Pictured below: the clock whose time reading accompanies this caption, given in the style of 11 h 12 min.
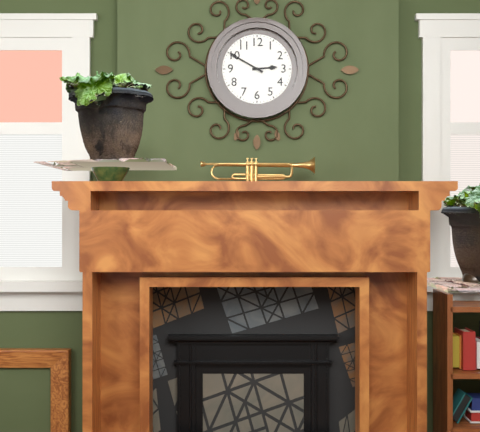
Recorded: 2 h 50 min
